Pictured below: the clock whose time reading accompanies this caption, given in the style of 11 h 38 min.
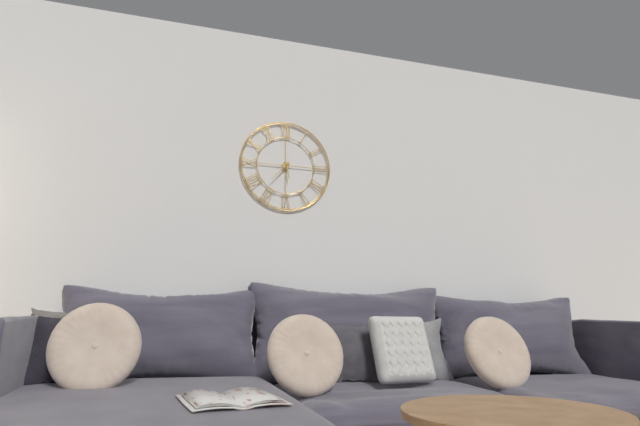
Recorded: 5 h 37 min
